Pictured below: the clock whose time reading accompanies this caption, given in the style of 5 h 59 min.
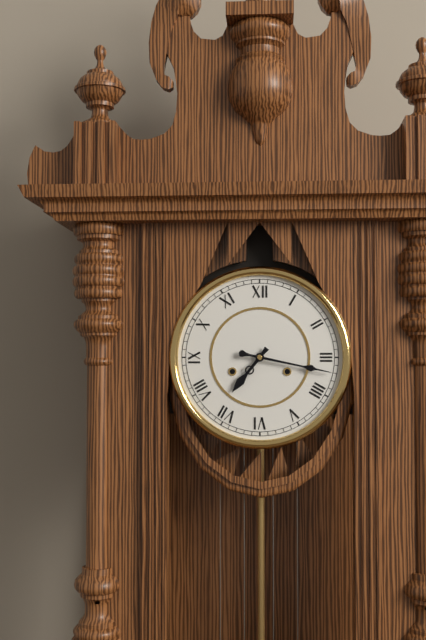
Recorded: 7 h 17 min
